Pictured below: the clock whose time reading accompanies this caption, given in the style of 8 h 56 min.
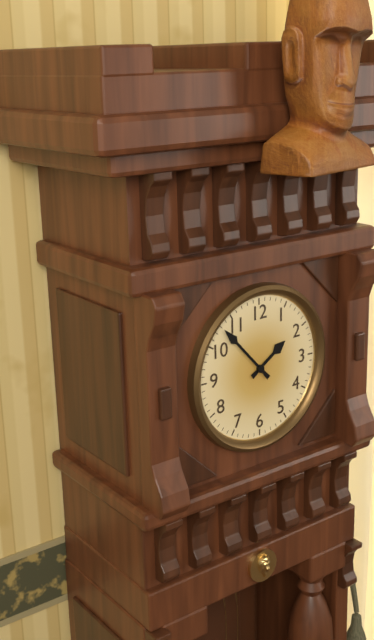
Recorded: 1 h 53 min
